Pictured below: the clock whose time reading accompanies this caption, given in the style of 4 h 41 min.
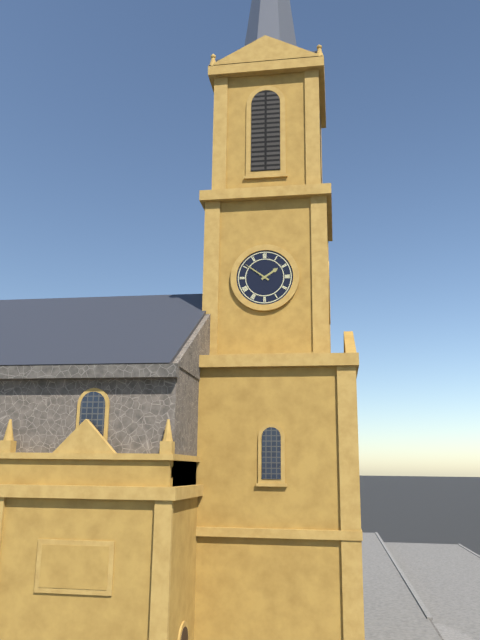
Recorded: 1 h 51 min
